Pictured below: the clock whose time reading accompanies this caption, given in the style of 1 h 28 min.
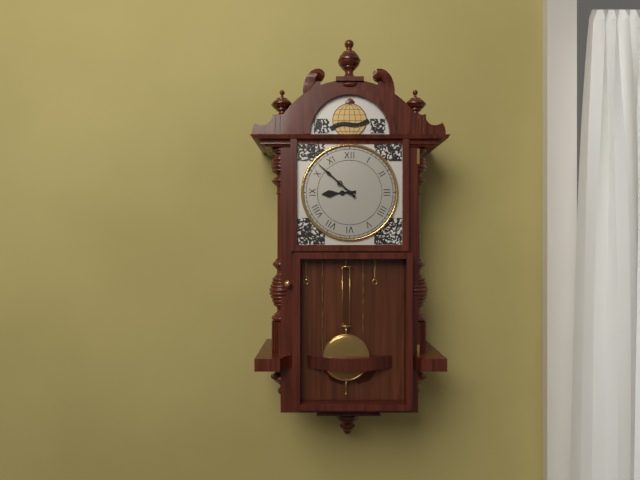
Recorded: 8 h 52 min
